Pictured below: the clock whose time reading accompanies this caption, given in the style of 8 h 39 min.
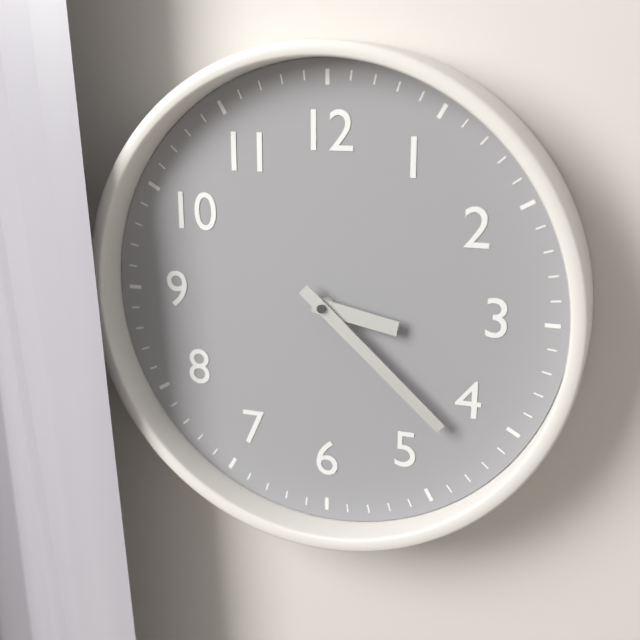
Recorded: 3 h 22 min
